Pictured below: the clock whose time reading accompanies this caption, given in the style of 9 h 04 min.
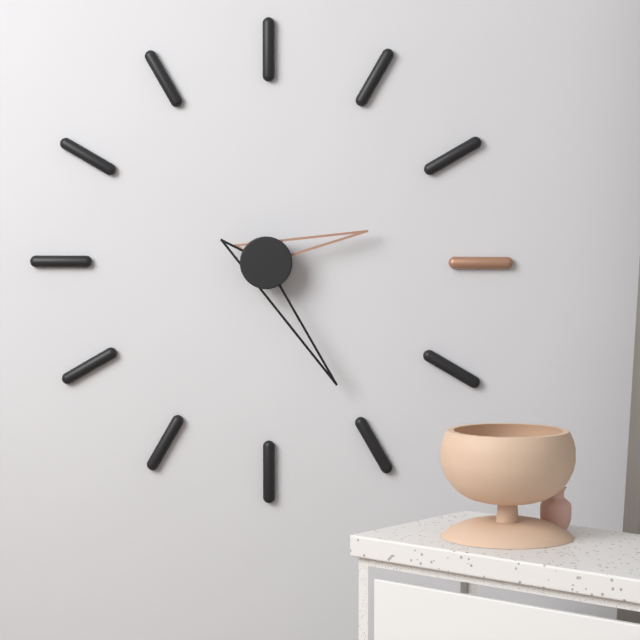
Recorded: 2 h 25 min
